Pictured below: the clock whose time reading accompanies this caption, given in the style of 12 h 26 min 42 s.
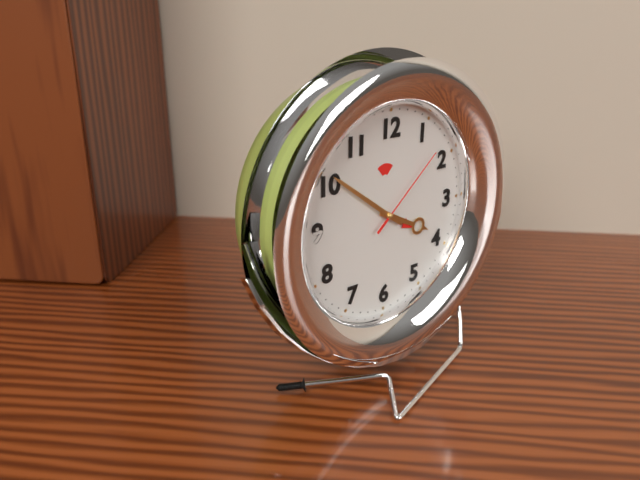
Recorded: 3 h 51 min 08 s
